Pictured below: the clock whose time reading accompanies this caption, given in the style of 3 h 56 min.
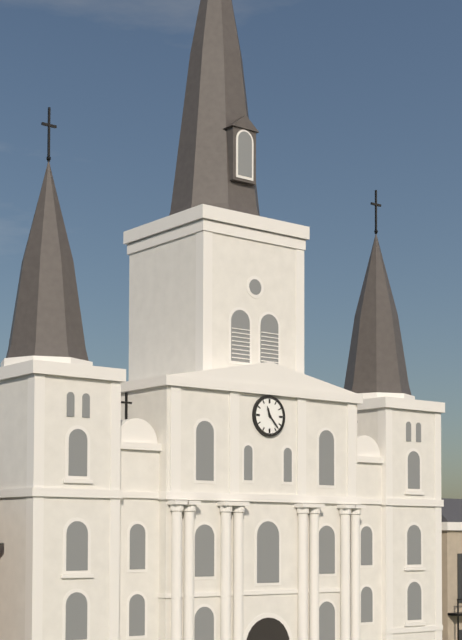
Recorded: 11 h 23 min
